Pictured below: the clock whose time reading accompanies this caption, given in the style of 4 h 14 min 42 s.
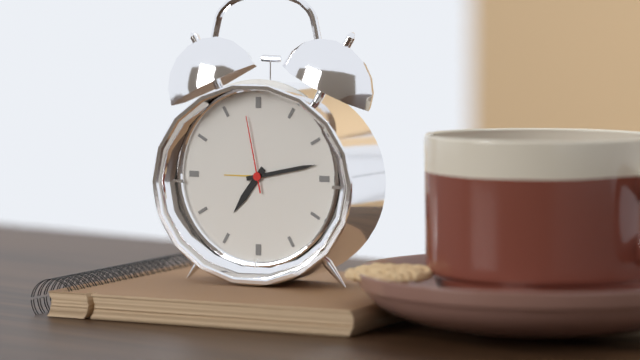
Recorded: 7 h 13 min 58 s
